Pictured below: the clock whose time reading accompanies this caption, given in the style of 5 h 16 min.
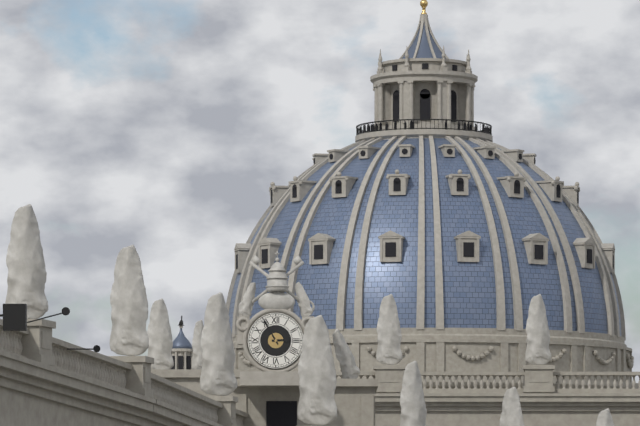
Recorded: 2 h 55 min
